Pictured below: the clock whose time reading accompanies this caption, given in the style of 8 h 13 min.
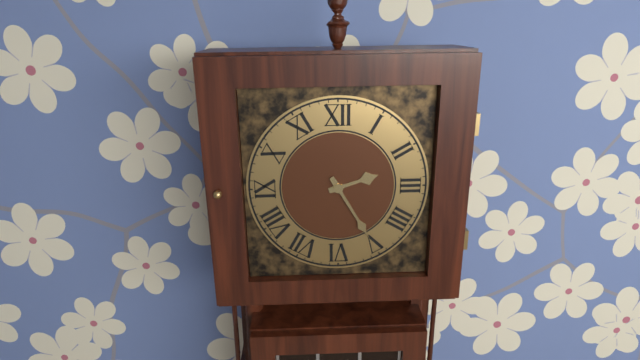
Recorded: 2 h 25 min
